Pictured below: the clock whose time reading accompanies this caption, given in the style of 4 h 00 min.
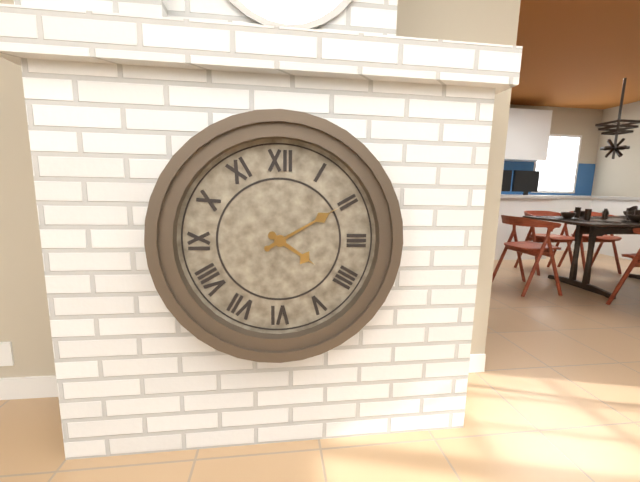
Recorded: 4 h 10 min
